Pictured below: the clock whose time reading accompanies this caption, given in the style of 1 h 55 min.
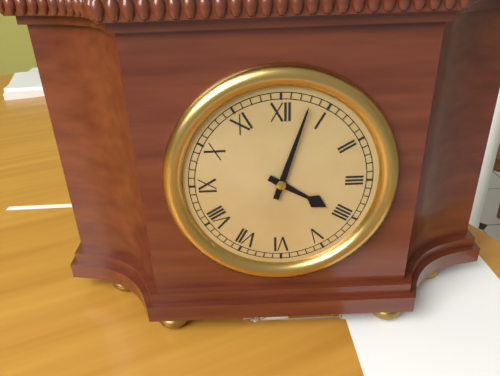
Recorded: 4 h 03 min
